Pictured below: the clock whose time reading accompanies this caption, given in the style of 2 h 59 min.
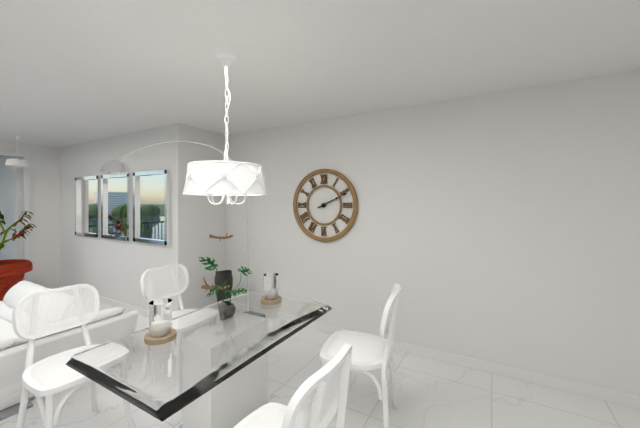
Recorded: 2 h 11 min
